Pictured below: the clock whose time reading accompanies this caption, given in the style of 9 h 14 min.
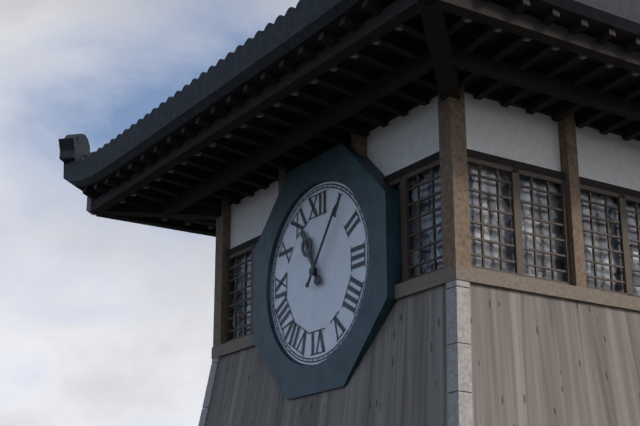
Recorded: 11 h 06 min
